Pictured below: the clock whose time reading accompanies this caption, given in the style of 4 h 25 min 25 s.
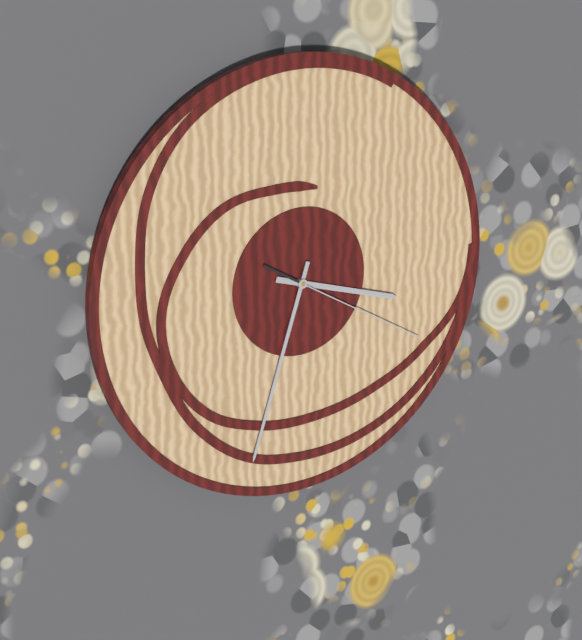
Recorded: 3 h 33 min 20 s
